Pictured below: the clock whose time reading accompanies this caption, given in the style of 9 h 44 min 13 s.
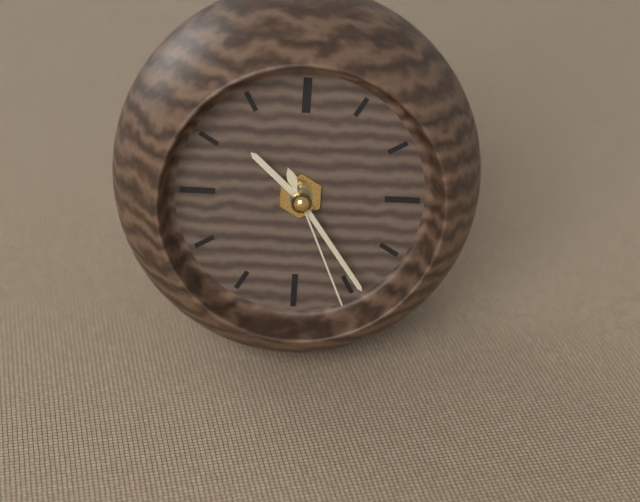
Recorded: 10 h 24 min 26 s
